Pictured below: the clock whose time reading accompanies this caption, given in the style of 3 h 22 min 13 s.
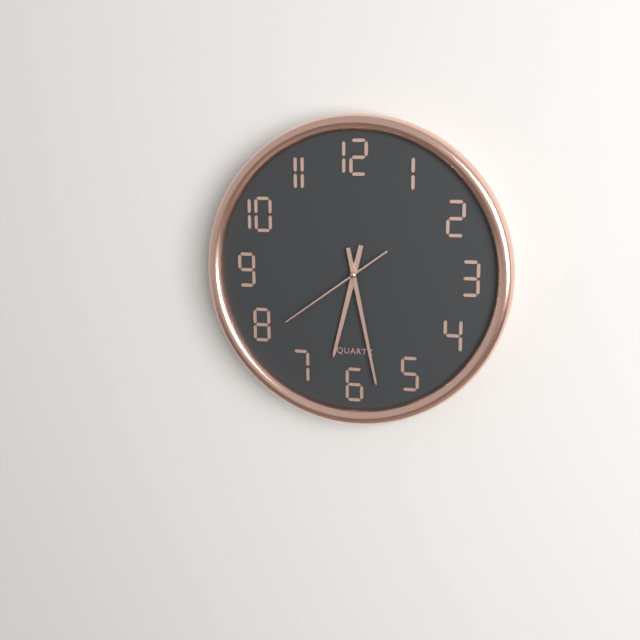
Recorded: 6 h 28 min 39 s
